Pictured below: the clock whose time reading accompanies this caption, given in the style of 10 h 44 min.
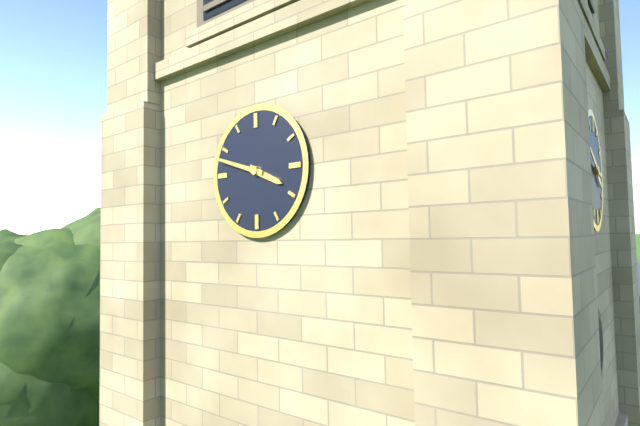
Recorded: 3 h 48 min
